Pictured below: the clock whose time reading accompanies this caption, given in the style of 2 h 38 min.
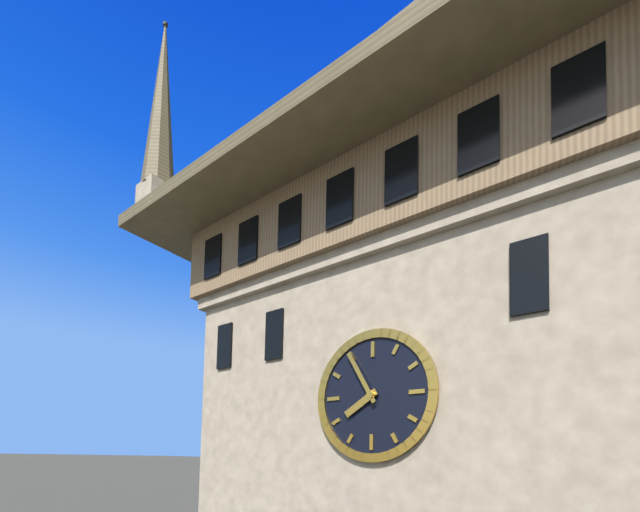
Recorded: 7 h 55 min
